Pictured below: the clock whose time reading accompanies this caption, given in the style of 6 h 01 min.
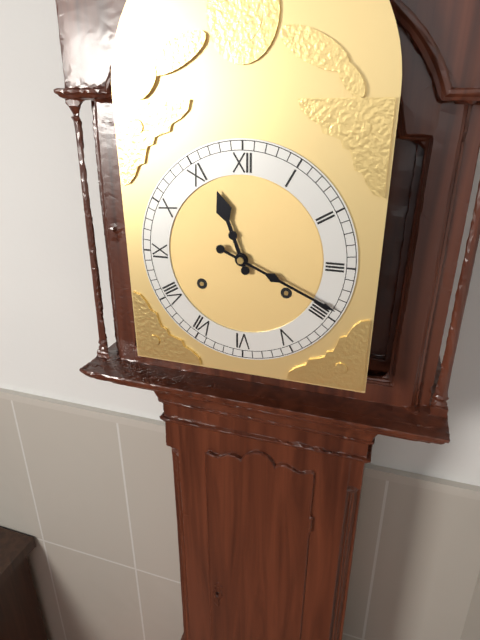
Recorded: 11 h 19 min
